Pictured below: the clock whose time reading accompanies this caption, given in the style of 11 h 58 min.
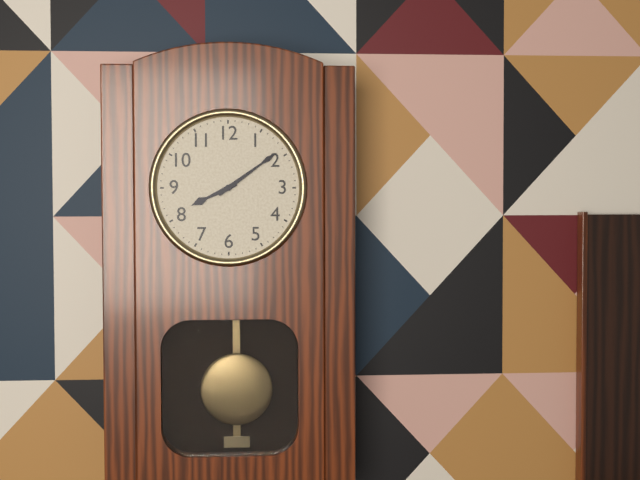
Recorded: 8 h 09 min
